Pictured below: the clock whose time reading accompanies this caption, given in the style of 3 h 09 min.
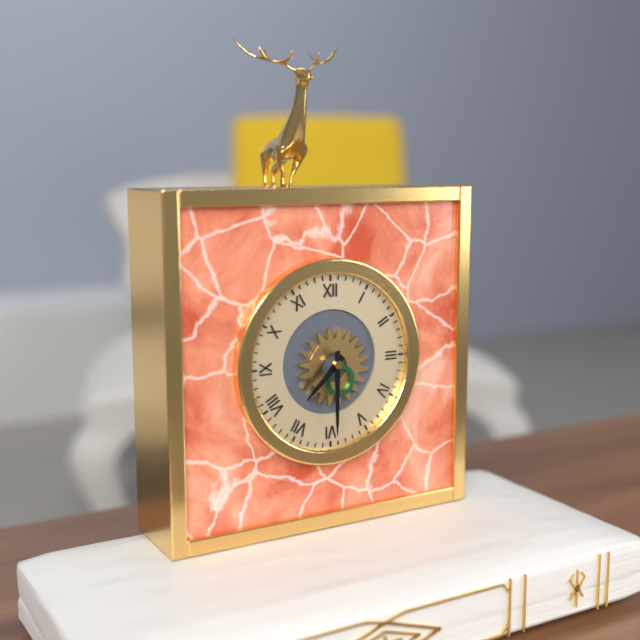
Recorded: 7 h 30 min
